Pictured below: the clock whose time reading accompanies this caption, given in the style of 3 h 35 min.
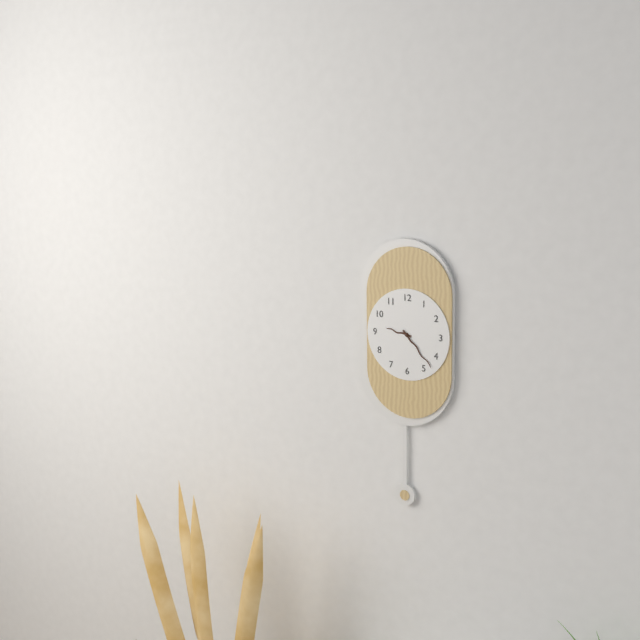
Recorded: 9 h 23 min
